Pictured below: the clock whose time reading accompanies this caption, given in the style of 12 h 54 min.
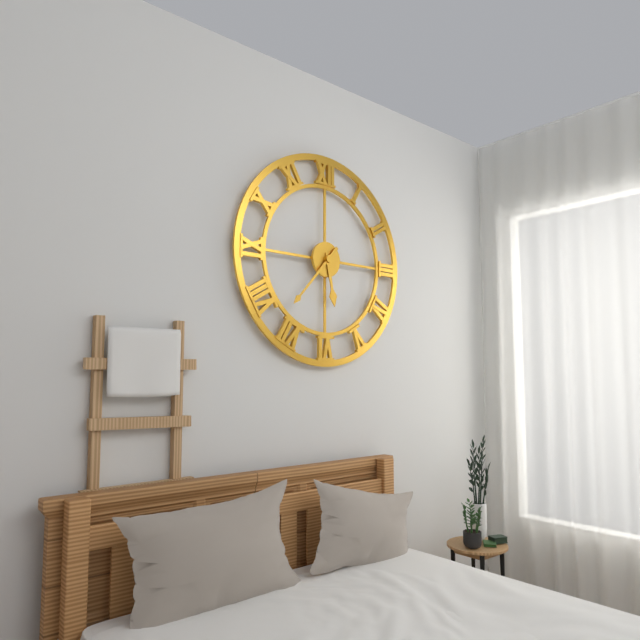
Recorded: 5 h 37 min
